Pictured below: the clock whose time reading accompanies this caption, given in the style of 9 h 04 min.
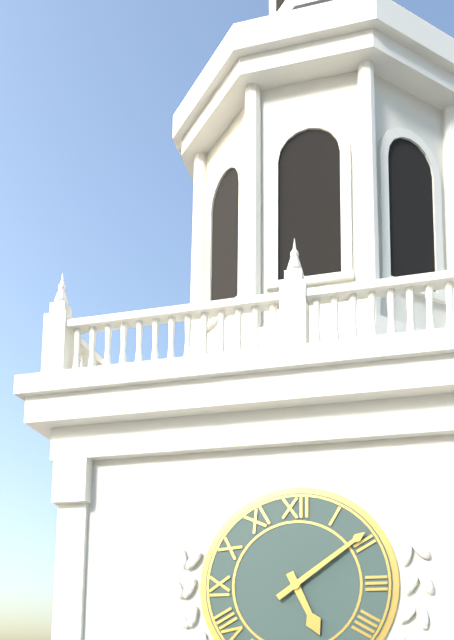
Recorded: 5 h 09 min
